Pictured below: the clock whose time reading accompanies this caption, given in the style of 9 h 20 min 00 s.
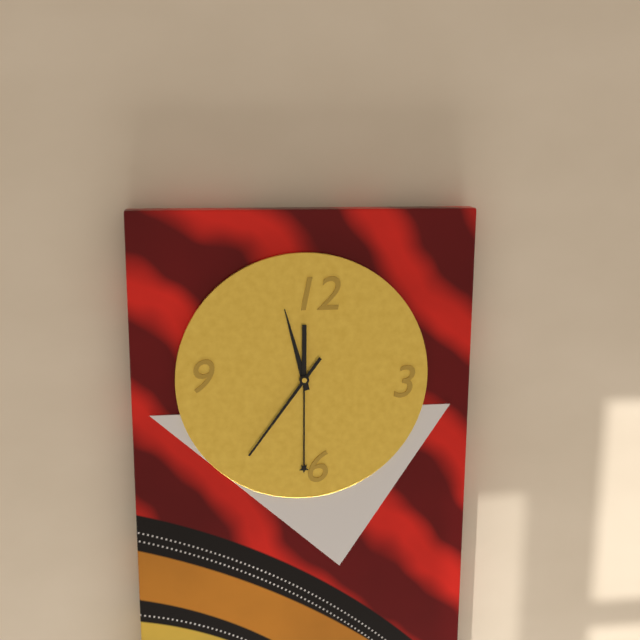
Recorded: 11 h 30 min 36 s
